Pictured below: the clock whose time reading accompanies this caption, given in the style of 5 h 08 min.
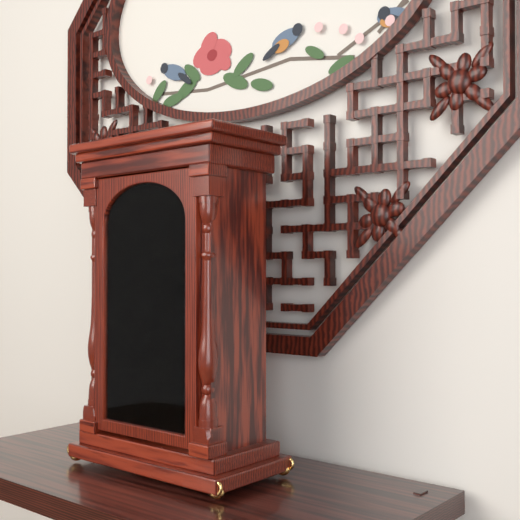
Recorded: 5 h 17 min
